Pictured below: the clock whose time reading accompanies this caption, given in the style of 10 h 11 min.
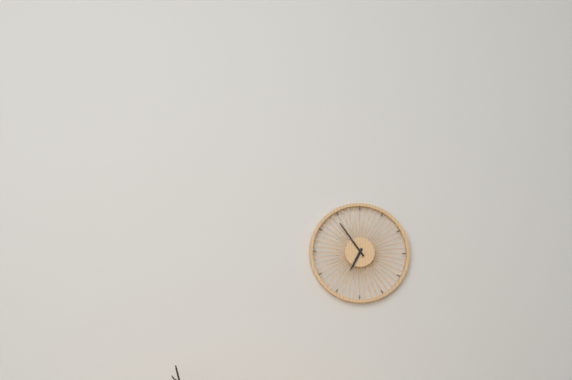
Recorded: 6 h 54 min
